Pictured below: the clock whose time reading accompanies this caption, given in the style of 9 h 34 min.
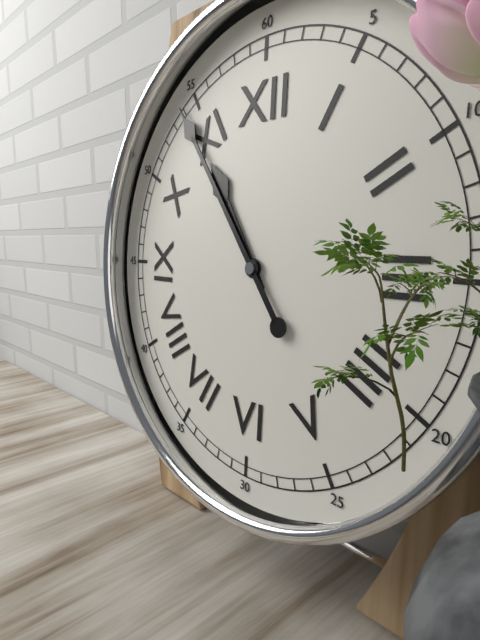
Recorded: 10 h 54 min
